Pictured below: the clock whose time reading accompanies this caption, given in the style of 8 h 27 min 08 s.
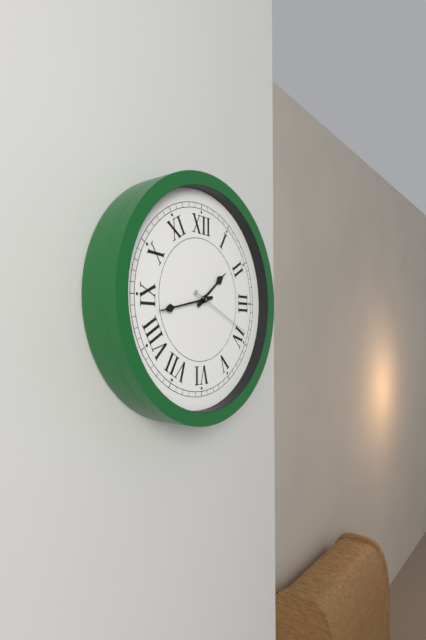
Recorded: 1 h 43 min 19 s
